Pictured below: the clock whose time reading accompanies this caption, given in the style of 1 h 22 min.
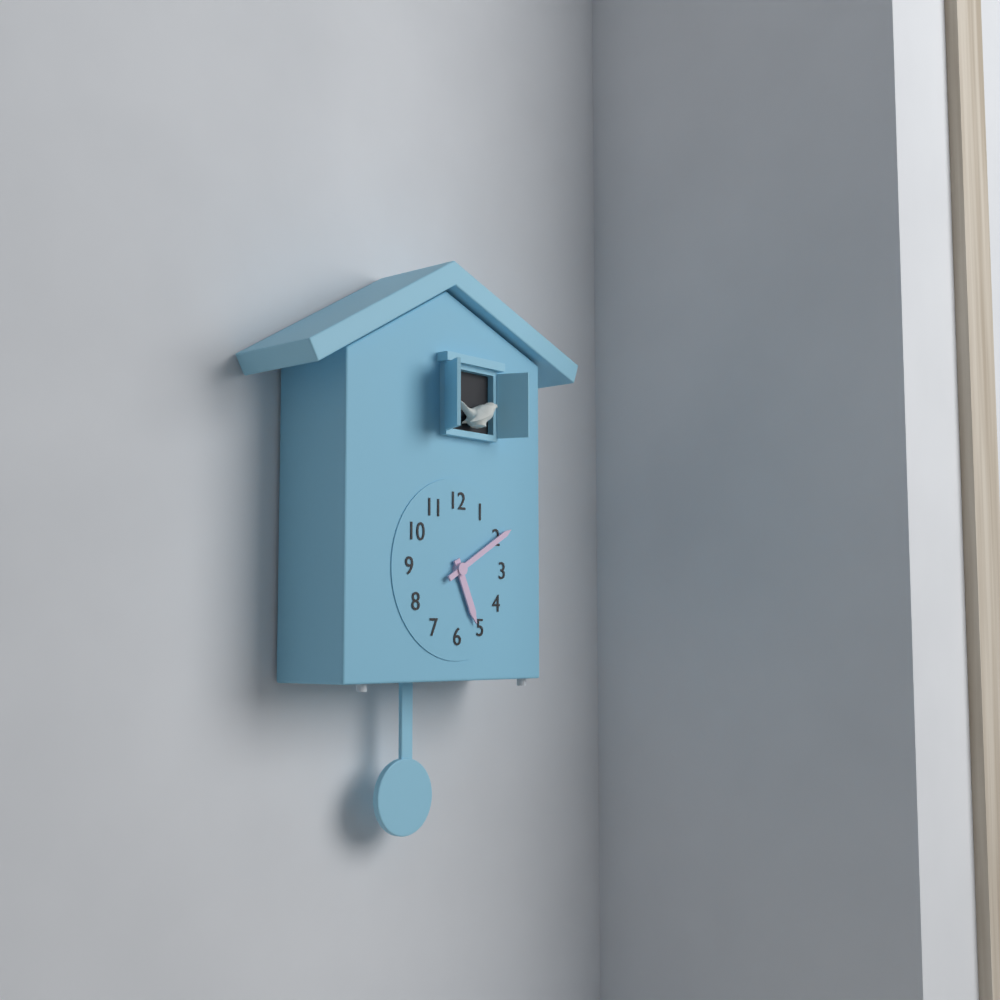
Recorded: 5 h 10 min
